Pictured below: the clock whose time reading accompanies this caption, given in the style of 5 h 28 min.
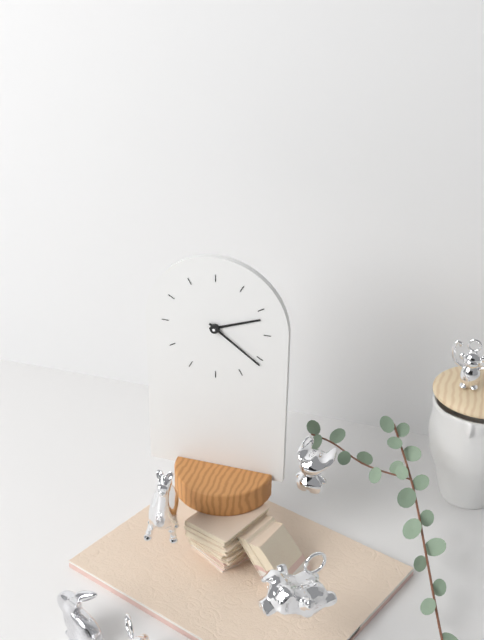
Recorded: 2 h 21 min
